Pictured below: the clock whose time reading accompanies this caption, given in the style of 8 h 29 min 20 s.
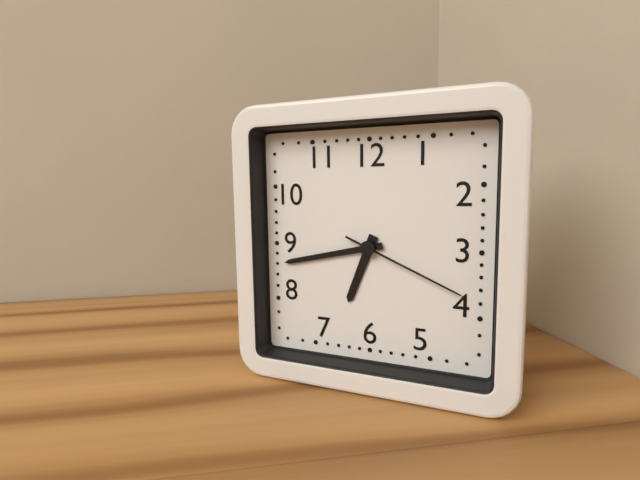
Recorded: 6 h 43 min 19 s
